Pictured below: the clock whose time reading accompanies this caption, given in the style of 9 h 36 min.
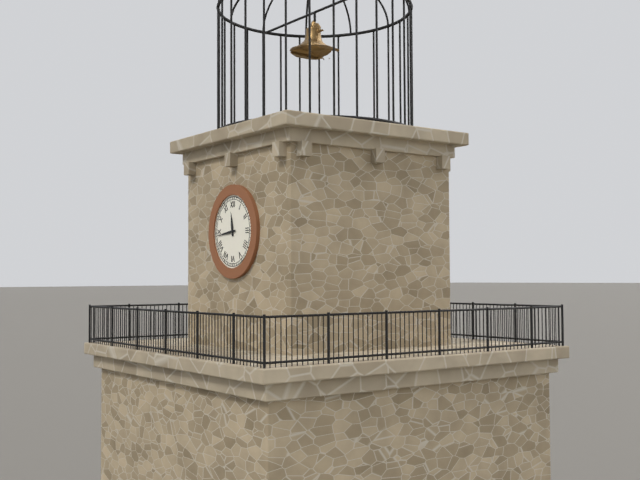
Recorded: 11 h 44 min
